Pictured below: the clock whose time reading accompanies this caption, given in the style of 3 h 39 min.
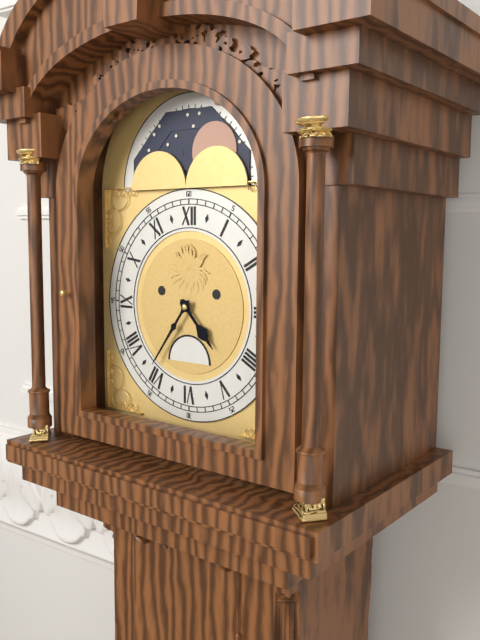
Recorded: 4 h 36 min
